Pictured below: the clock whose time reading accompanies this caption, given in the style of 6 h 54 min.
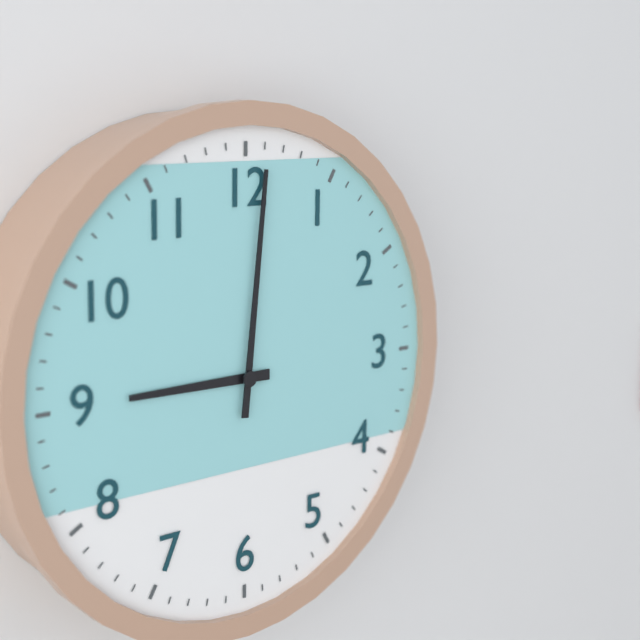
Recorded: 9 h 01 min
